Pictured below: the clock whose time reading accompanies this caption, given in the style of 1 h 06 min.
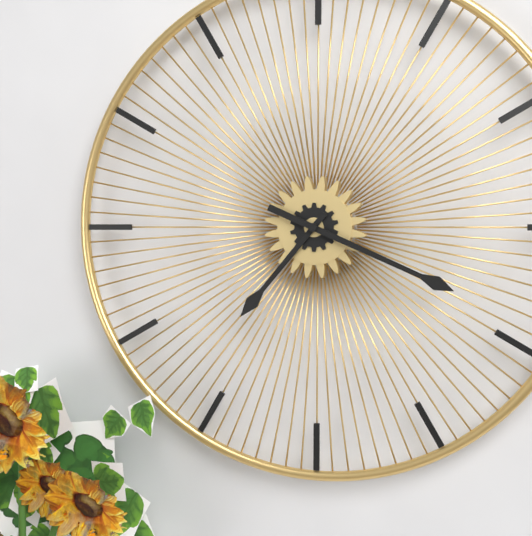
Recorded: 7 h 19 min
